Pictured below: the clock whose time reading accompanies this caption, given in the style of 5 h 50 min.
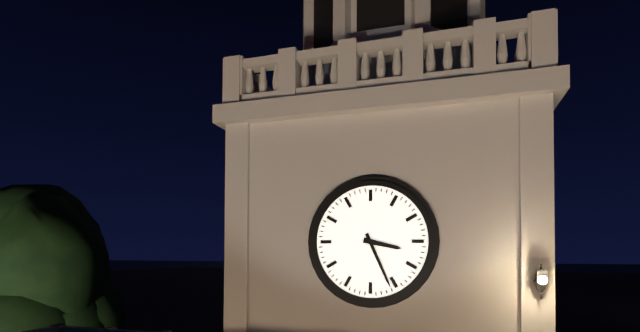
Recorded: 3 h 26 min
